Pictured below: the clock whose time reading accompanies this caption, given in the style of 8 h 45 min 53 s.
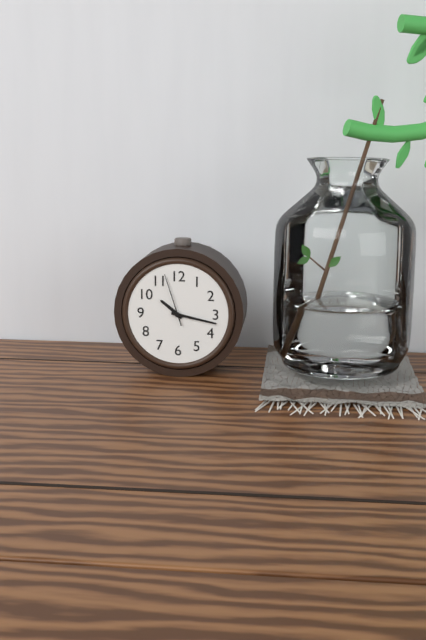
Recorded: 10 h 17 min 57 s
